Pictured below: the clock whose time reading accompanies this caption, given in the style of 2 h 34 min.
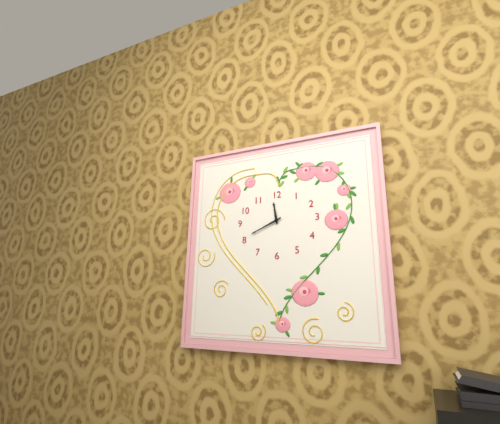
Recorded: 11 h 41 min
